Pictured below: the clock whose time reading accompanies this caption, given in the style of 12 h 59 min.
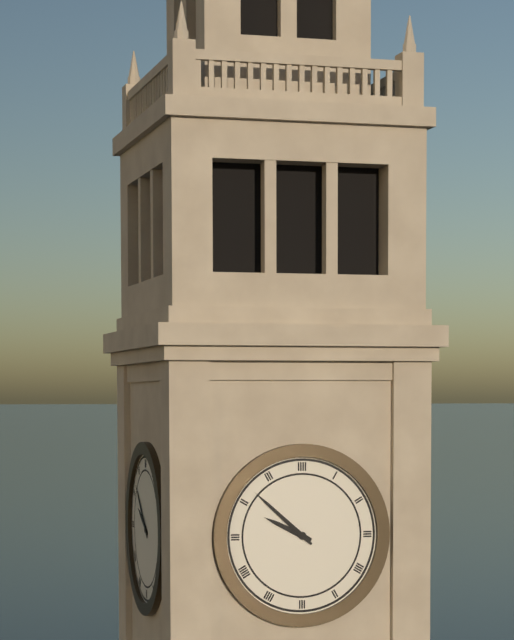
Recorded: 9 h 52 min
